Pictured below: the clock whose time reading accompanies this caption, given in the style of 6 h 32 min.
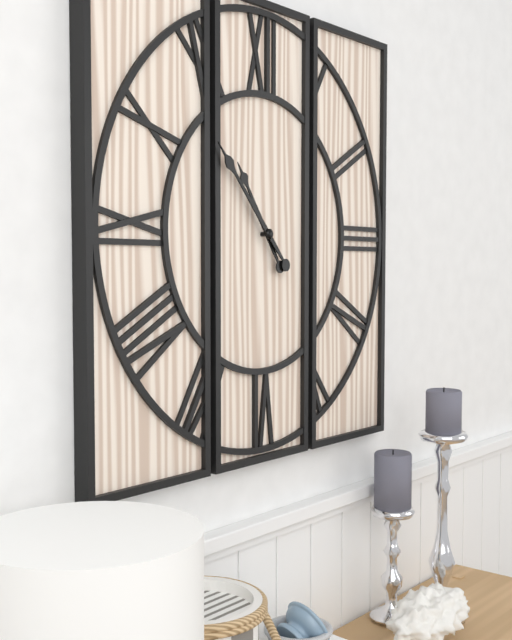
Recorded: 10 h 53 min
